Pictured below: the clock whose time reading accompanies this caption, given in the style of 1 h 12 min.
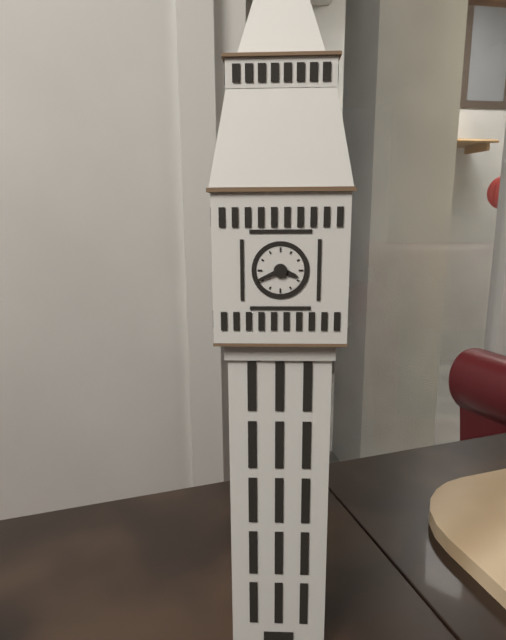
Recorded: 3 h 41 min
